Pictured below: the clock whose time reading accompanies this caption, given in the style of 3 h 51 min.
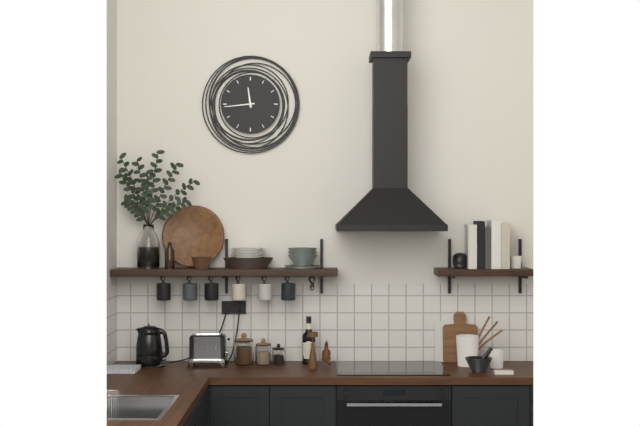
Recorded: 11 h 44 min
